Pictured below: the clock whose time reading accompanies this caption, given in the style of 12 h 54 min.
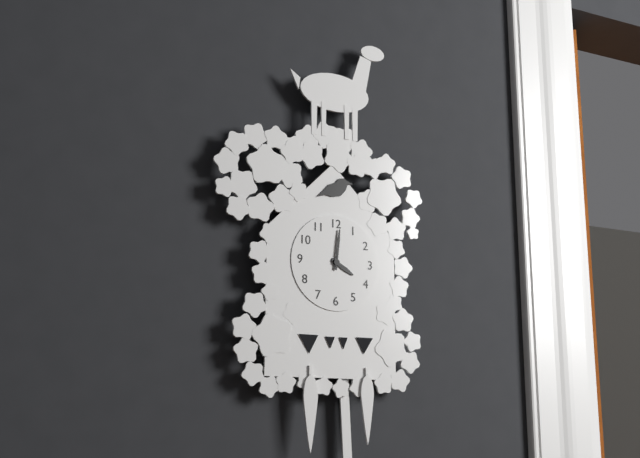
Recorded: 4 h 01 min
